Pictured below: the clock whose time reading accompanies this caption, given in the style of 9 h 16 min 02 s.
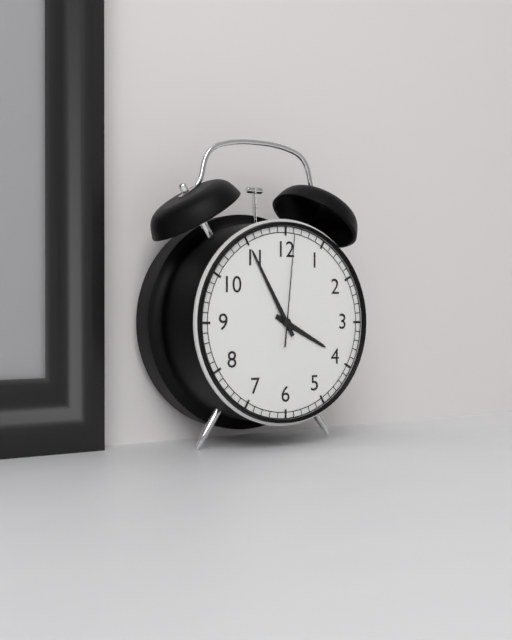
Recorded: 3 h 55 min 01 s
